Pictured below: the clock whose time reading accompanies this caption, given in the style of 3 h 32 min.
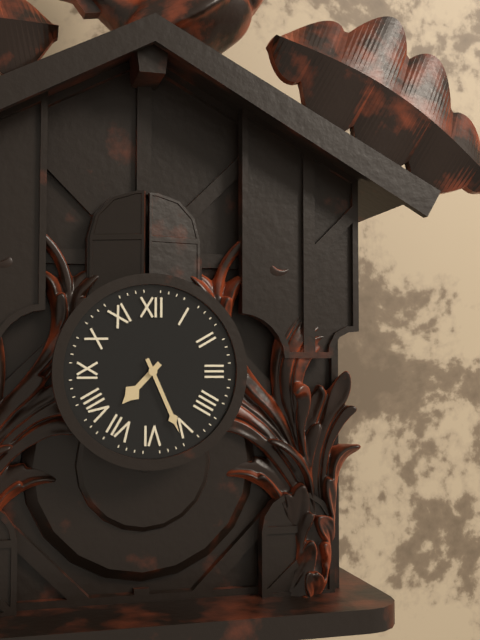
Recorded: 7 h 26 min
